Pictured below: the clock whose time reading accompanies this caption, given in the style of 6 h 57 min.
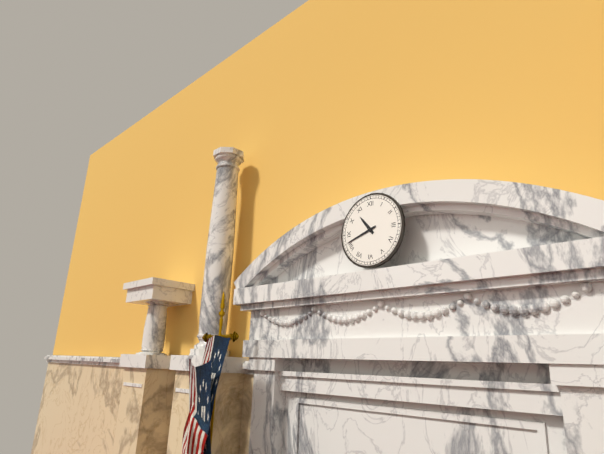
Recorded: 10 h 42 min
